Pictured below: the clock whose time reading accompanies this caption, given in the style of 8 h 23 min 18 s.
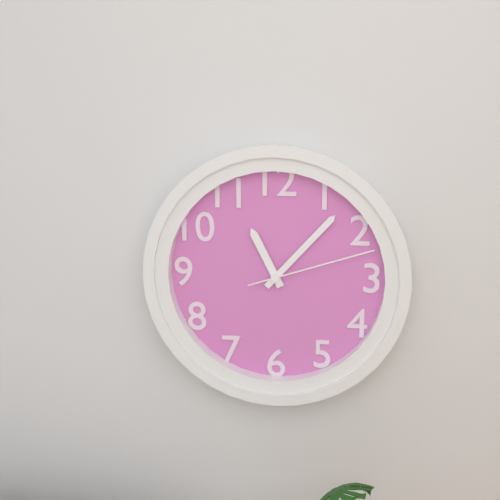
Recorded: 11 h 07 min 12 s
